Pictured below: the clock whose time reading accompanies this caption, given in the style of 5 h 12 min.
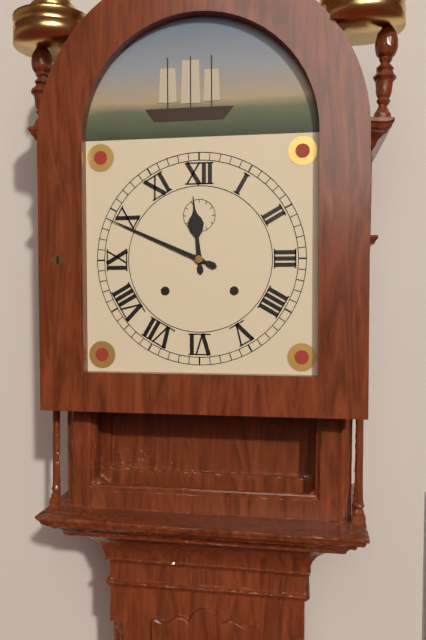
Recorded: 11 h 49 min
